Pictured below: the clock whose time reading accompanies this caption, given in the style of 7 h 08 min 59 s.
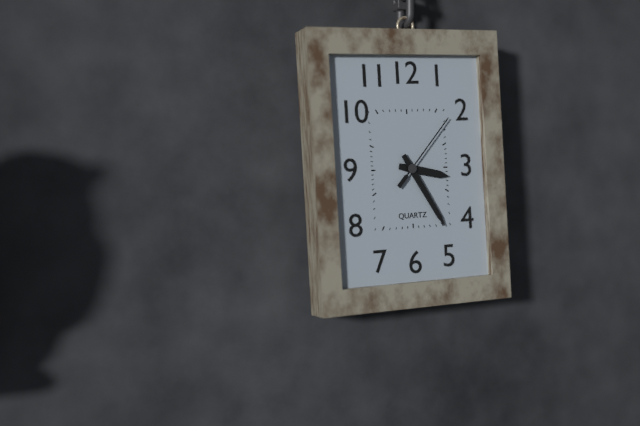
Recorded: 3 h 25 min 07 s
